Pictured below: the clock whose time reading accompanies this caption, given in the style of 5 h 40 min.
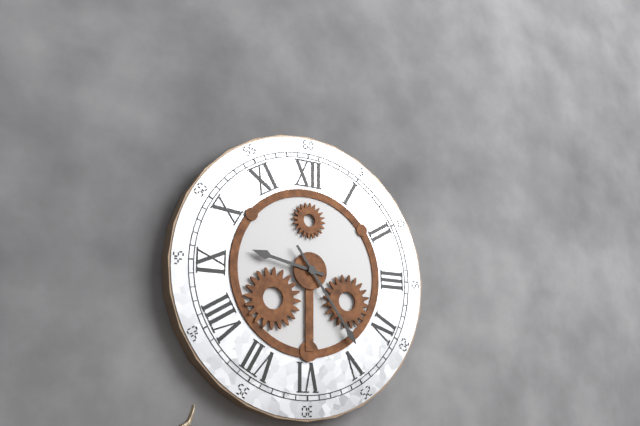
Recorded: 9 h 24 min
